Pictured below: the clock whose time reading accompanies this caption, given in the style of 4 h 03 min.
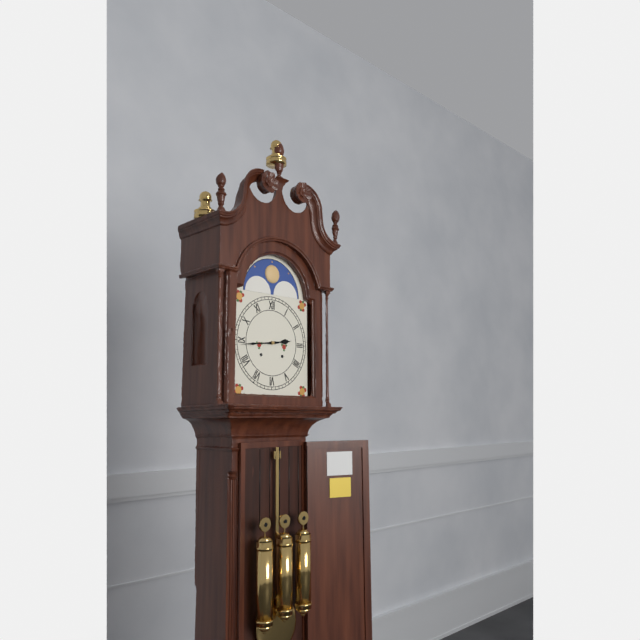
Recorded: 2 h 44 min
